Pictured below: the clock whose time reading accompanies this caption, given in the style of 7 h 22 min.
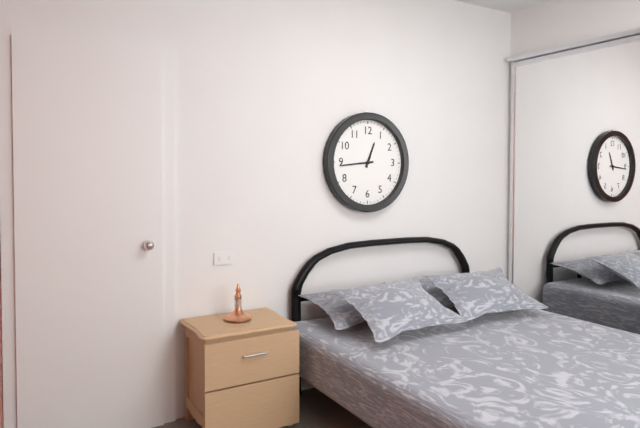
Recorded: 12 h 44 min
